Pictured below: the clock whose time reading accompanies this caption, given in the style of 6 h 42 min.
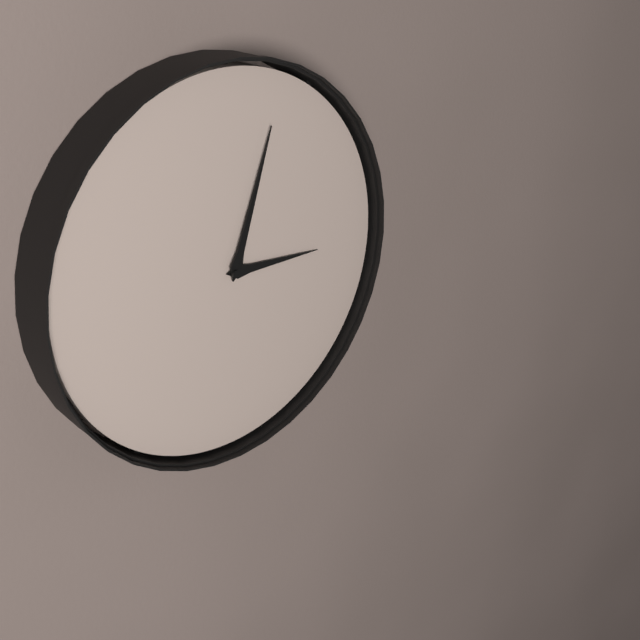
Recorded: 3 h 03 min
